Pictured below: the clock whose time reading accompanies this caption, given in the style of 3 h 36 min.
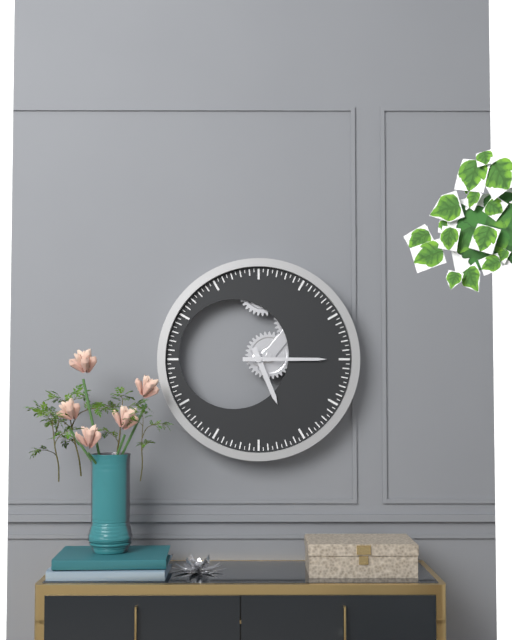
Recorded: 5 h 15 min
